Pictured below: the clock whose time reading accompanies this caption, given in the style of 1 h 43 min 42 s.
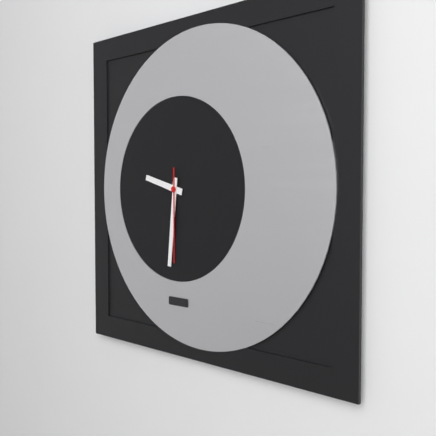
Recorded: 9 h 31 min 30 s
